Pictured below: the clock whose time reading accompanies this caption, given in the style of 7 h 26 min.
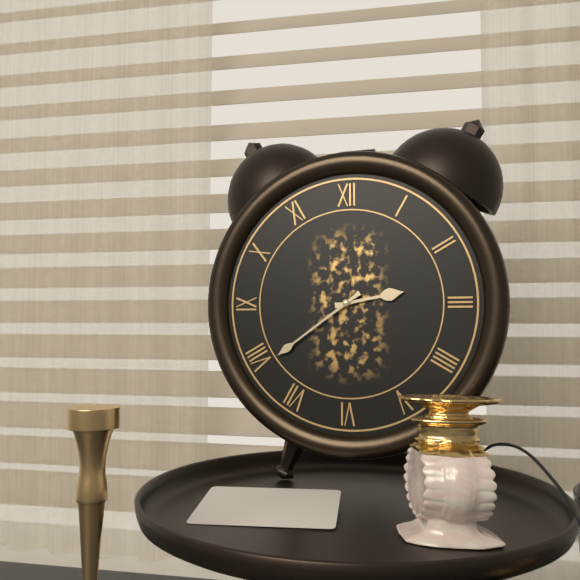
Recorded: 2 h 39 min
